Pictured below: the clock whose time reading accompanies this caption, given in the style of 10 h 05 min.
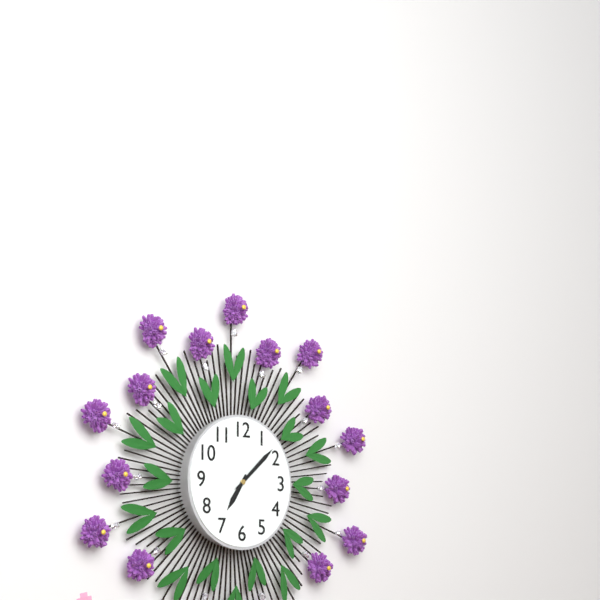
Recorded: 7 h 08 min
